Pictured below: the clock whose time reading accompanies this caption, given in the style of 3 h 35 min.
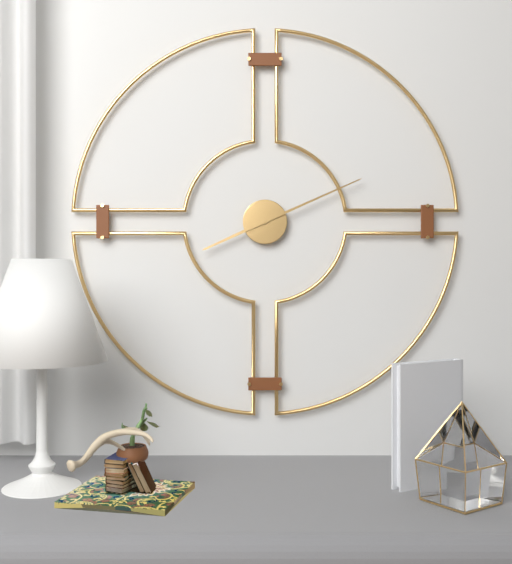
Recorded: 8 h 11 min
